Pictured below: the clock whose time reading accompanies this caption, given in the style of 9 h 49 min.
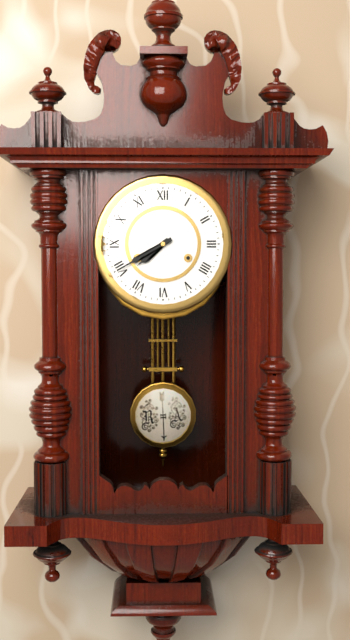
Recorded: 7 h 40 min
